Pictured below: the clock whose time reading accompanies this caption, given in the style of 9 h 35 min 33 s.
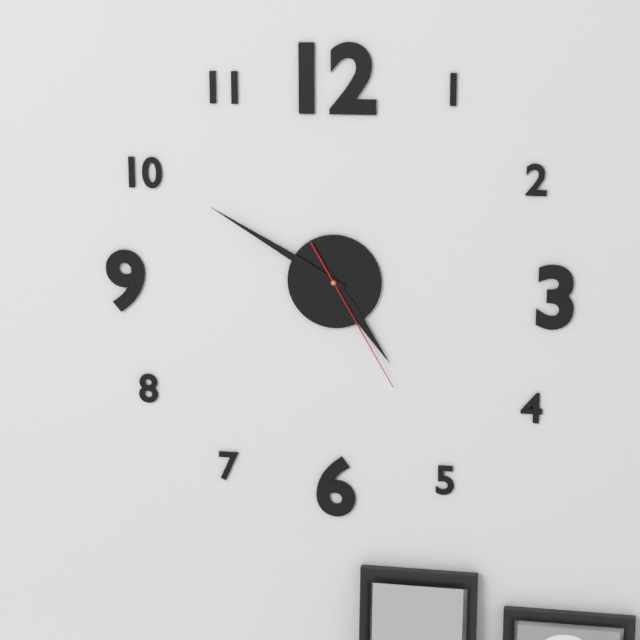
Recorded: 4 h 50 min 25 s
